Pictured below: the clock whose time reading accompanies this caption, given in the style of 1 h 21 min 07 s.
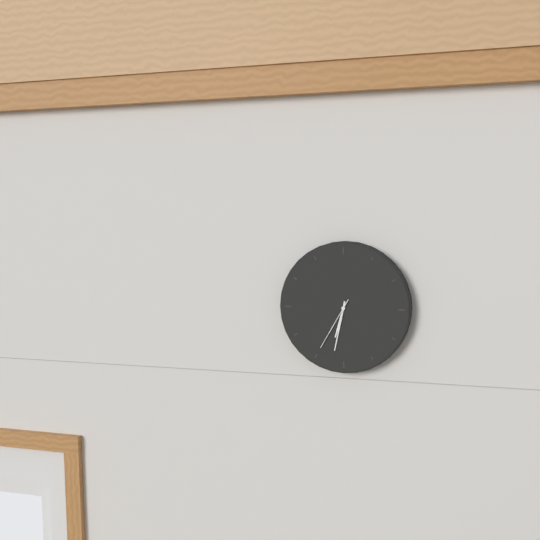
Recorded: 6 h 32 min 35 s
